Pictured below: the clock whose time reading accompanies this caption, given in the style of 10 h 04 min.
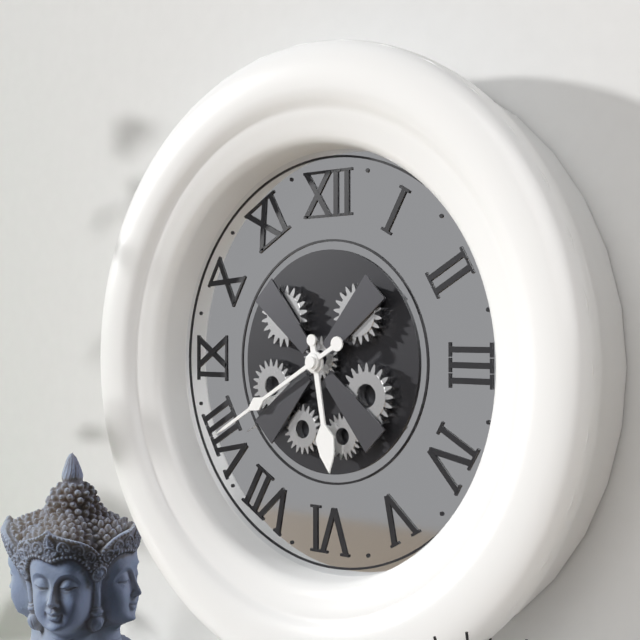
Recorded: 5 h 40 min
